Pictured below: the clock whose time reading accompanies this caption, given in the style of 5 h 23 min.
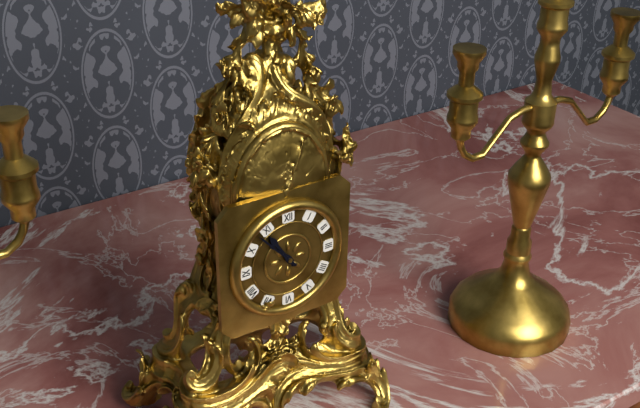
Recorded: 10 h 53 min
